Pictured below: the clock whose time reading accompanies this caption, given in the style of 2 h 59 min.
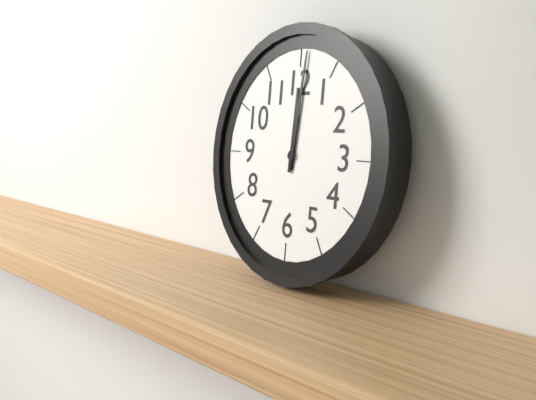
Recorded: 12 h 01 min
